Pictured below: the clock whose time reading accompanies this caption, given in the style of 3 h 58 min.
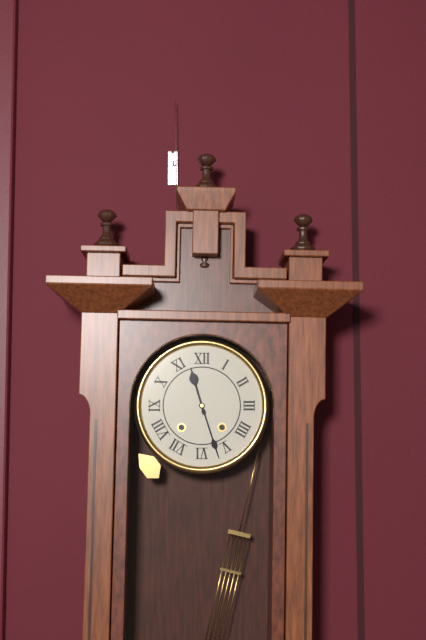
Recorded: 11 h 27 min
